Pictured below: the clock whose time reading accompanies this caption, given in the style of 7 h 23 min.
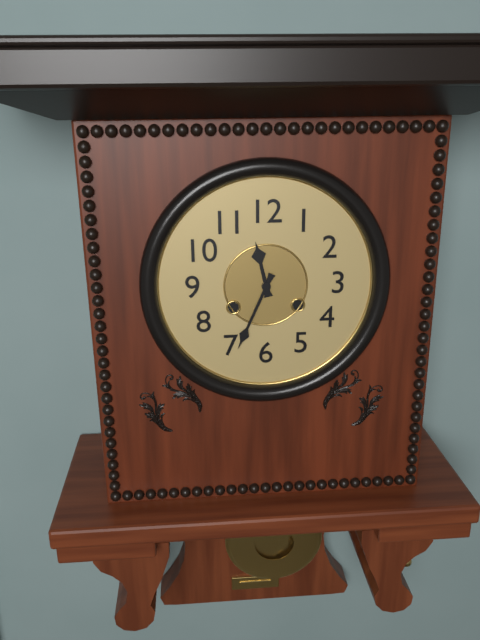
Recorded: 11 h 34 min
